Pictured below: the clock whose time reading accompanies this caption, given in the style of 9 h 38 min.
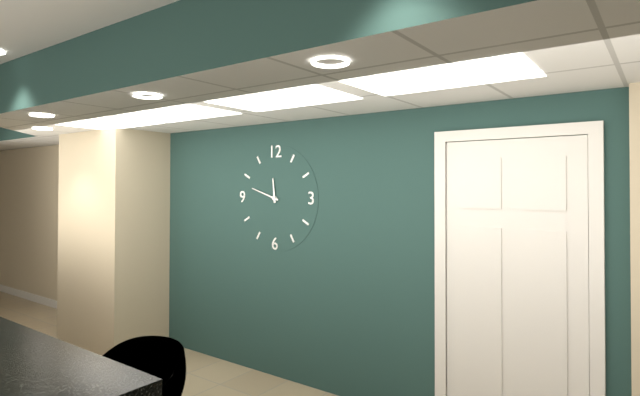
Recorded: 11 h 48 min
